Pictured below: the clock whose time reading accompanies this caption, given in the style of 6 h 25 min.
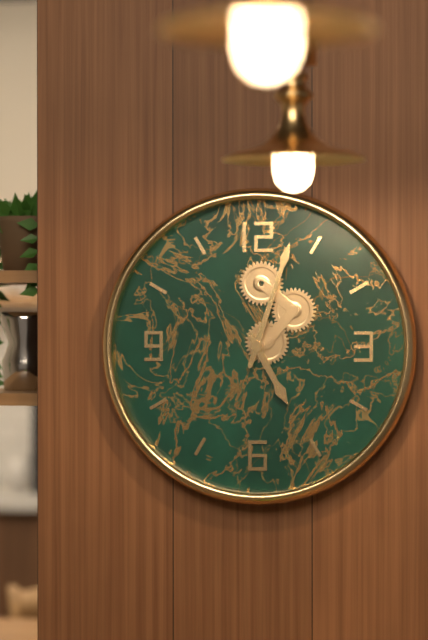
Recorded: 5 h 03 min
